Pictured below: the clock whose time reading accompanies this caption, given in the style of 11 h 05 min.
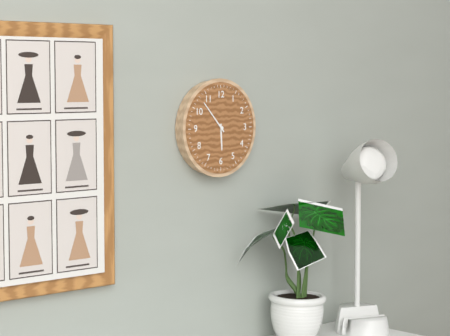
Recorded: 5 h 53 min
